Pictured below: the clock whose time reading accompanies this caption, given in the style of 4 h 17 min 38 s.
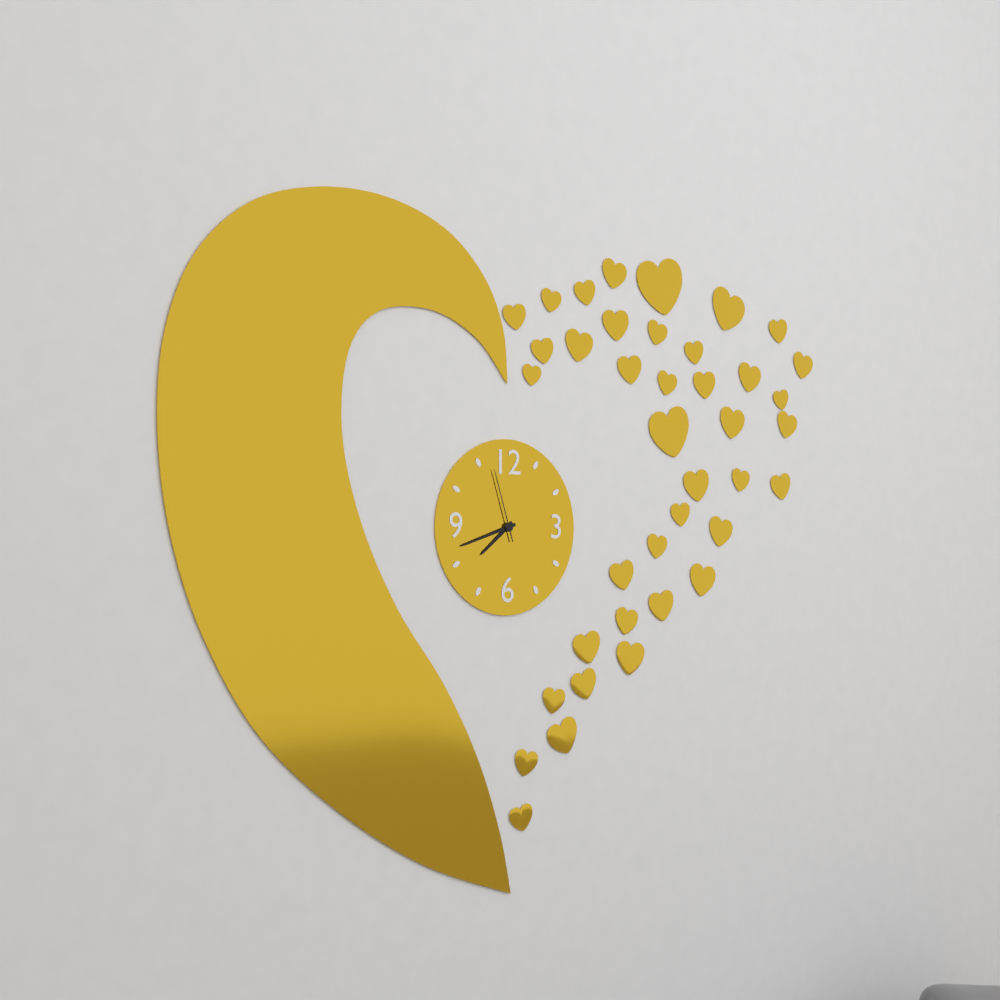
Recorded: 7 h 42 min 57 s
